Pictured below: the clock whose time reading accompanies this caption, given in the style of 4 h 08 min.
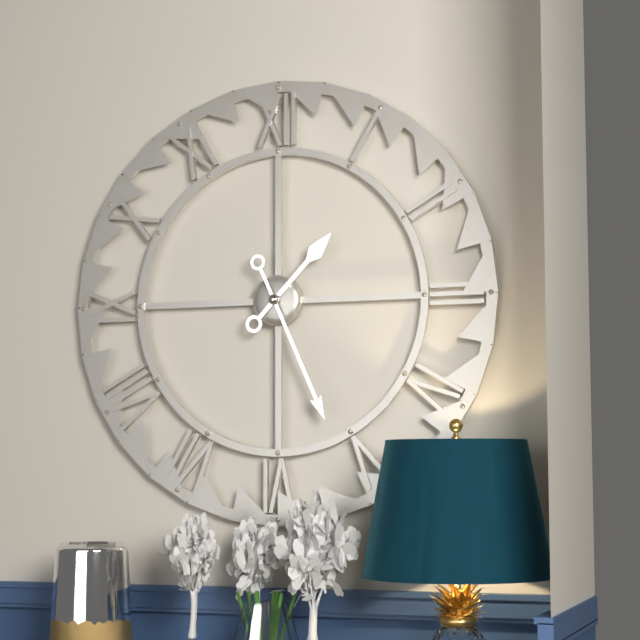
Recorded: 1 h 26 min
